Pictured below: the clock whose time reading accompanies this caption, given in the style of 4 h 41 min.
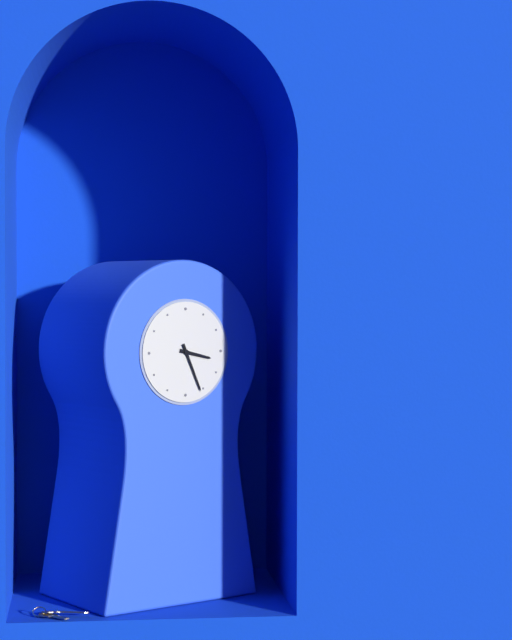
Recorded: 3 h 26 min
